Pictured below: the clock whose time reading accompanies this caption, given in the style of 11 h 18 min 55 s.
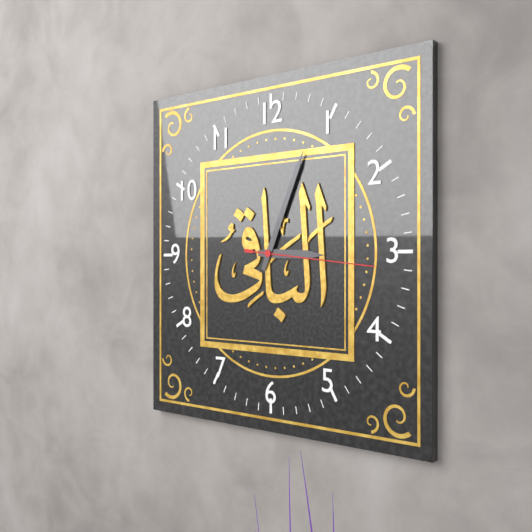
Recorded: 3 h 04 min 16 s
